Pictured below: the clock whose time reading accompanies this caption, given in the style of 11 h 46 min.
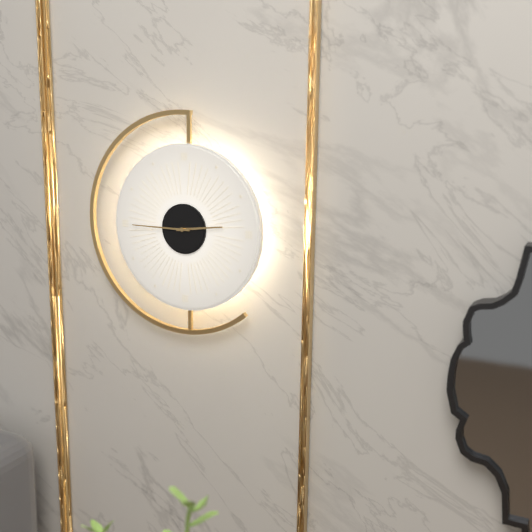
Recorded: 2 h 45 min
